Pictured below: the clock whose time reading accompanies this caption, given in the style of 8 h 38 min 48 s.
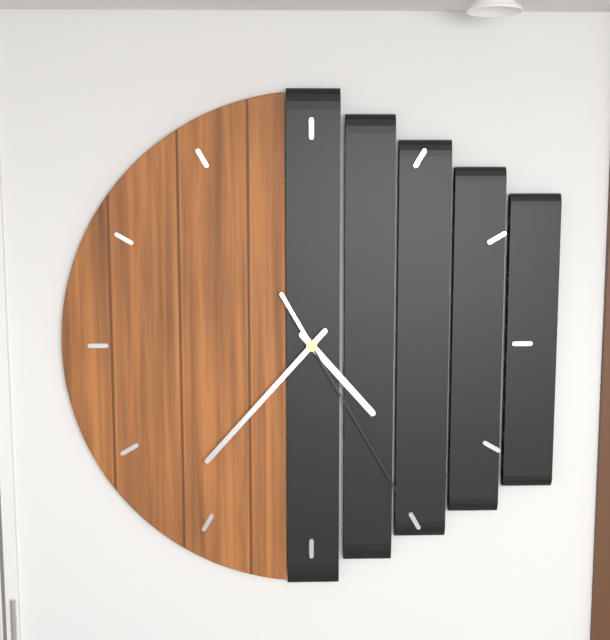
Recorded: 4 h 37 min 25 s
